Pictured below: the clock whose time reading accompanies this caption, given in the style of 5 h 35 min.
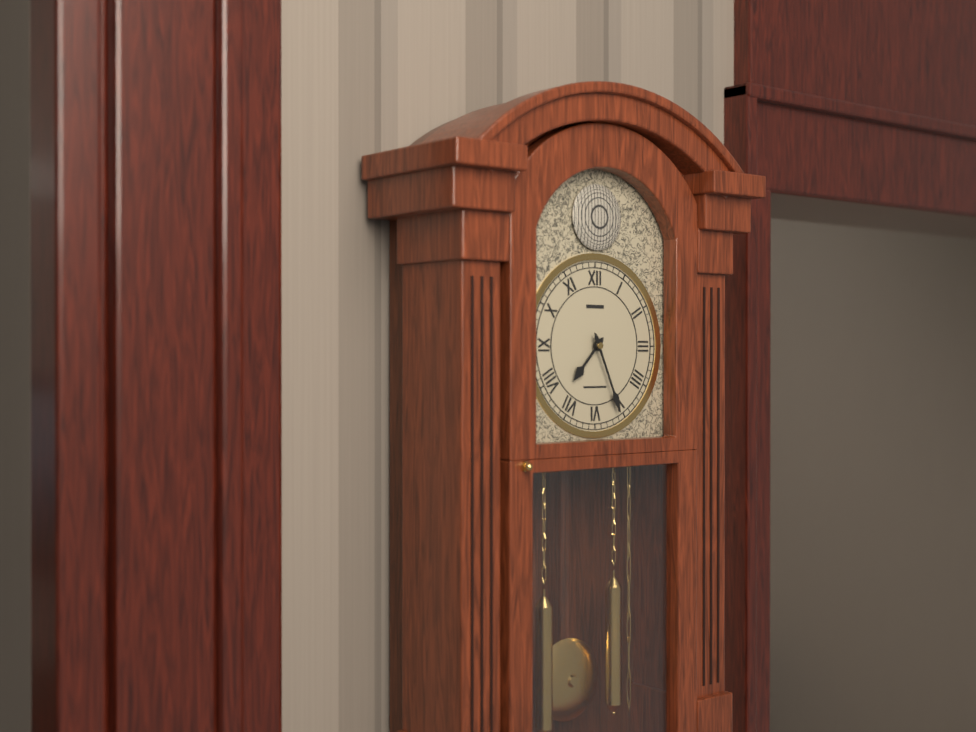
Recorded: 7 h 26 min
